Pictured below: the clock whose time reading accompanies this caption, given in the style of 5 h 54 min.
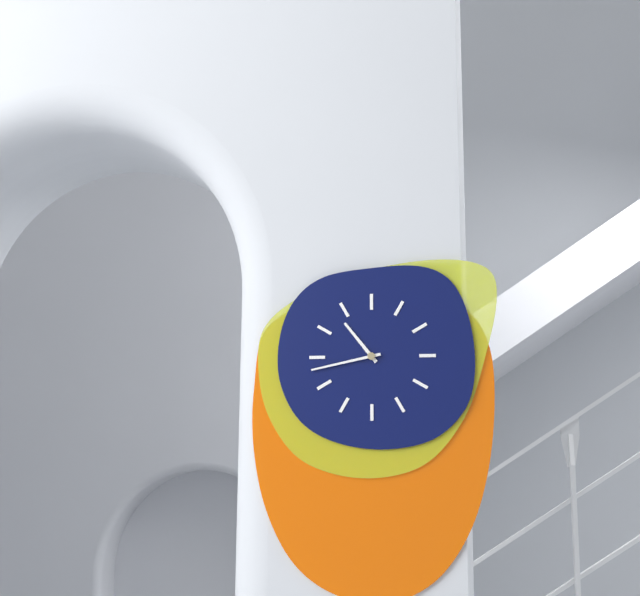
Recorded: 10 h 43 min
